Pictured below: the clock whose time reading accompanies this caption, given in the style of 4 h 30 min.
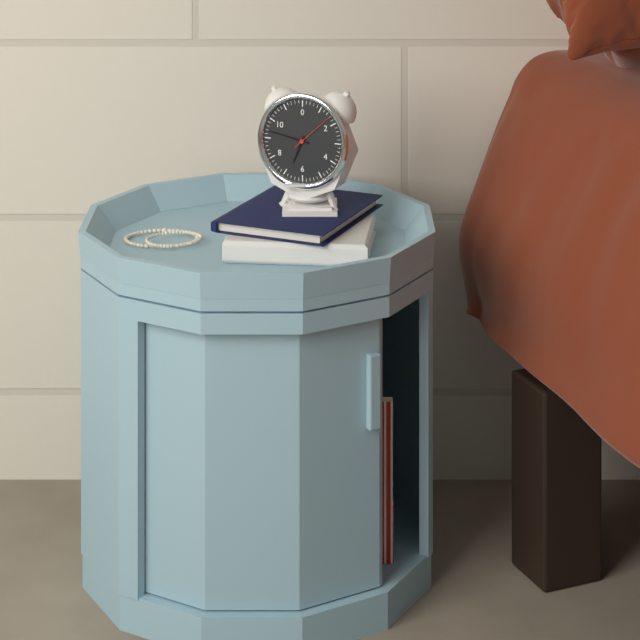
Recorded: 6 h 47 min
